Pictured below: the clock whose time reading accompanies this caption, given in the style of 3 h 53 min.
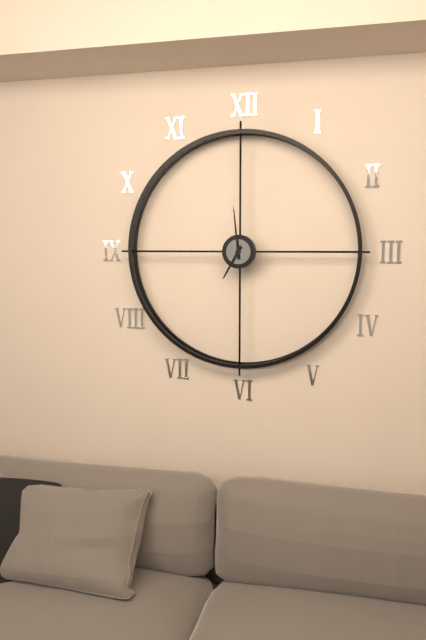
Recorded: 6 h 59 min
